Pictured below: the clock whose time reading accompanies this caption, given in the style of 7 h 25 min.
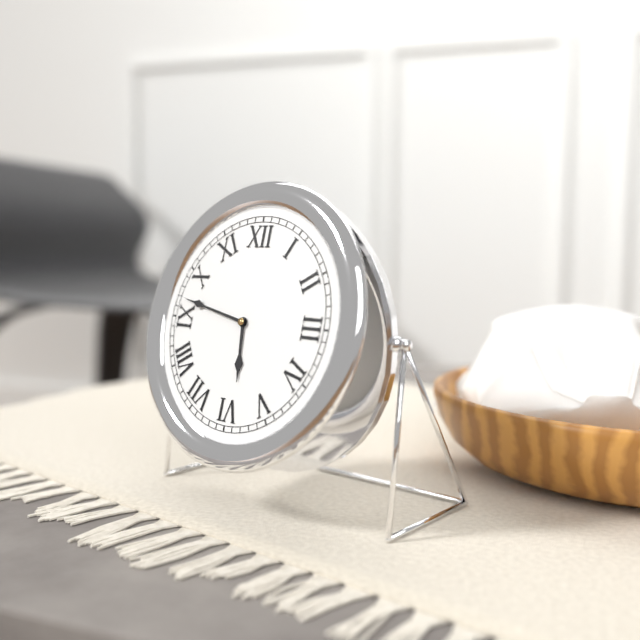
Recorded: 5 h 47 min
